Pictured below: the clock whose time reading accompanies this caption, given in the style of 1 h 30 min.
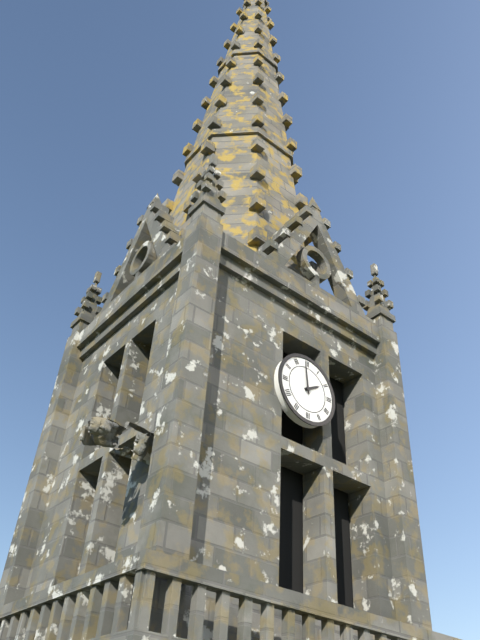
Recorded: 1 h 59 min
